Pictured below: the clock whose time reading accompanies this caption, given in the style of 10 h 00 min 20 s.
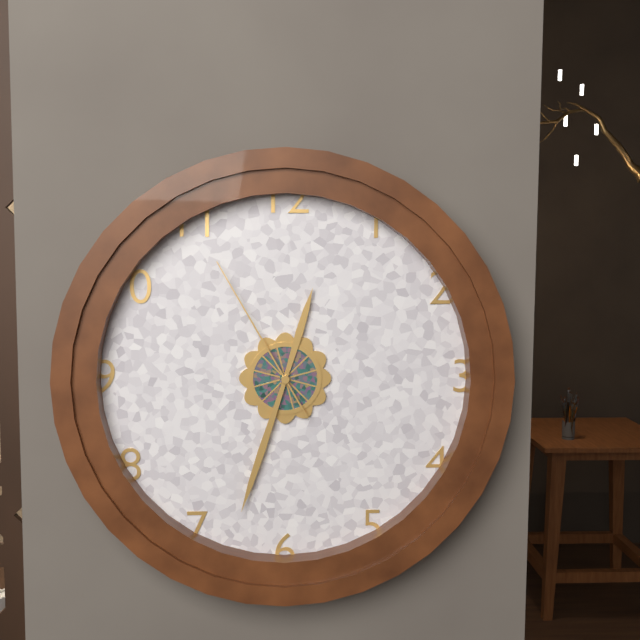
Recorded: 12 h 33 min 55 s
